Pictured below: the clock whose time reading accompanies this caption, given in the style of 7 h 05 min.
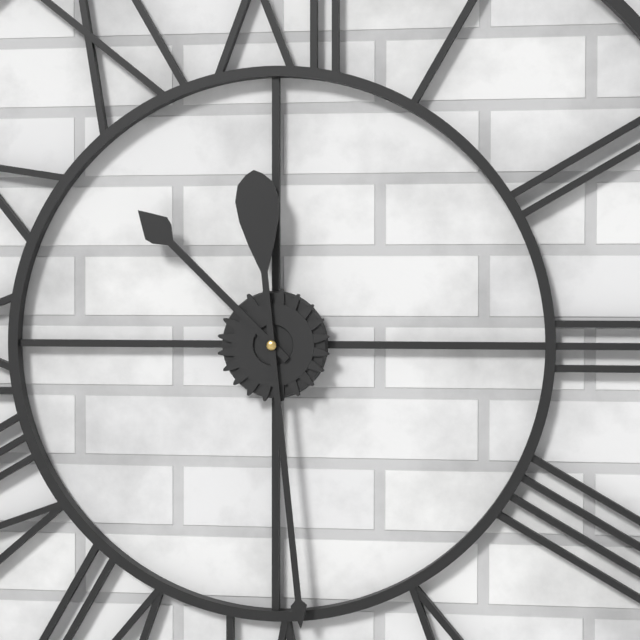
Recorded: 10 h 29 min
